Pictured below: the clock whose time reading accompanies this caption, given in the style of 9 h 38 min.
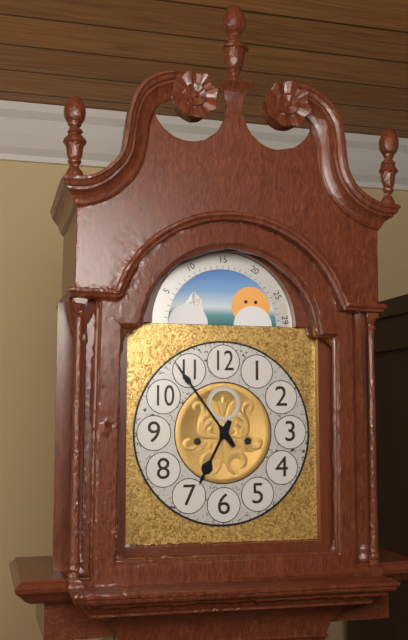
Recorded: 6 h 54 min
